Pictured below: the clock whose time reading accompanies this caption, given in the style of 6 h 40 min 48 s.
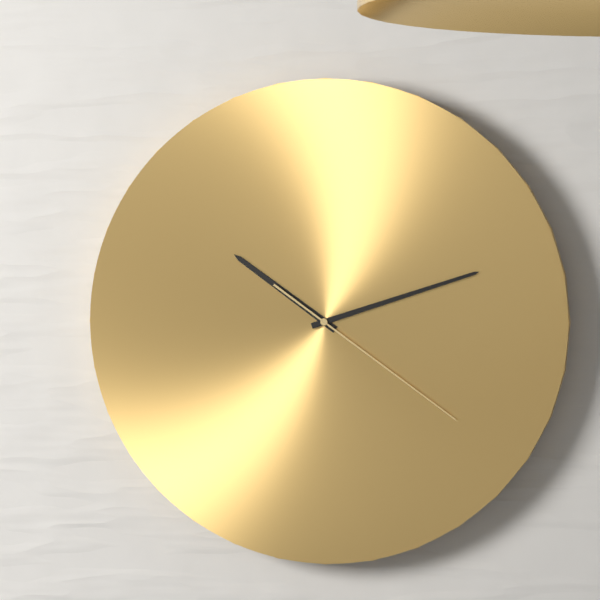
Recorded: 10 h 12 min 21 s
